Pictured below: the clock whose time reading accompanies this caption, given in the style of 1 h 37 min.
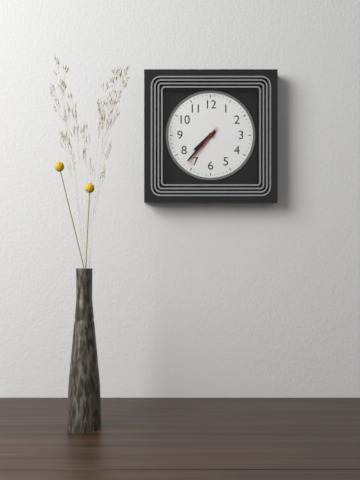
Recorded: 7 h 37 min
